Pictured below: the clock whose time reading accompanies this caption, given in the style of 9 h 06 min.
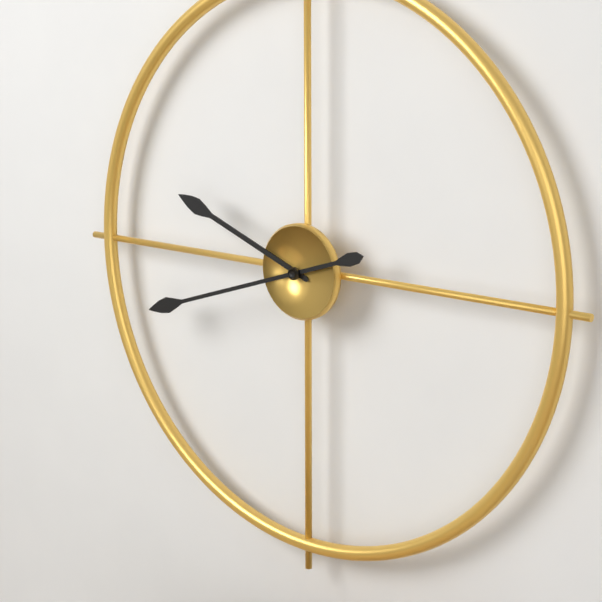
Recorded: 9 h 42 min
